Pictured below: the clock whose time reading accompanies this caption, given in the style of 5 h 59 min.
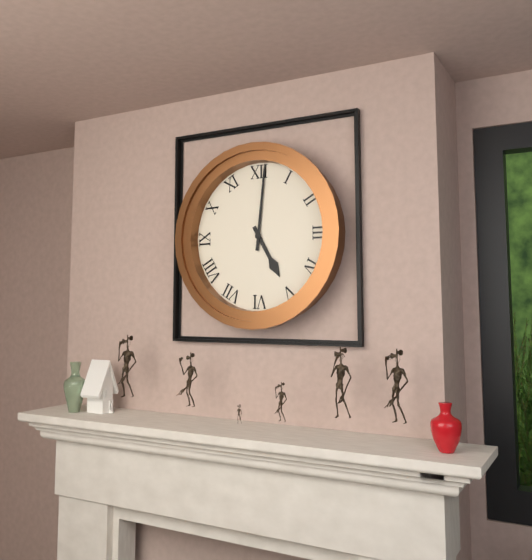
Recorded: 5 h 01 min
